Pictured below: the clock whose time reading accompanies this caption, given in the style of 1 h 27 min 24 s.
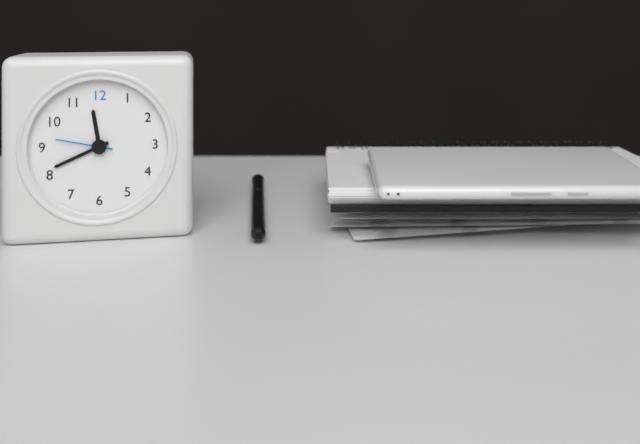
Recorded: 11 h 41 min 47 s
